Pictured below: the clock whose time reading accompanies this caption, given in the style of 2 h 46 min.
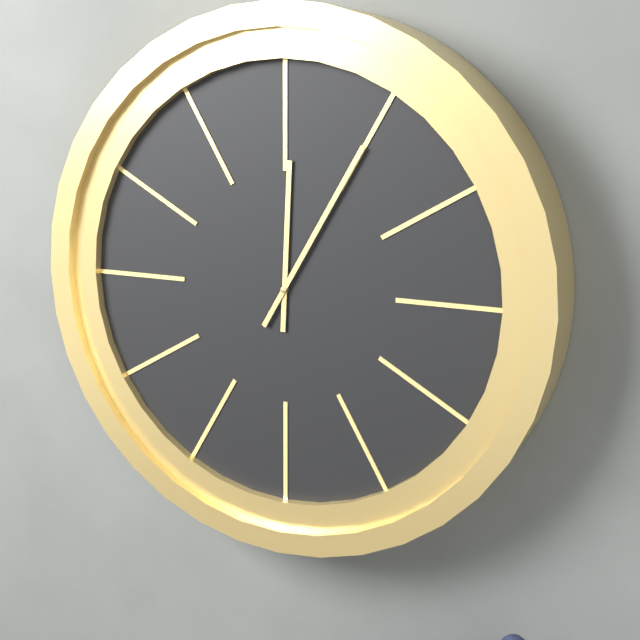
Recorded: 12 h 05 min
